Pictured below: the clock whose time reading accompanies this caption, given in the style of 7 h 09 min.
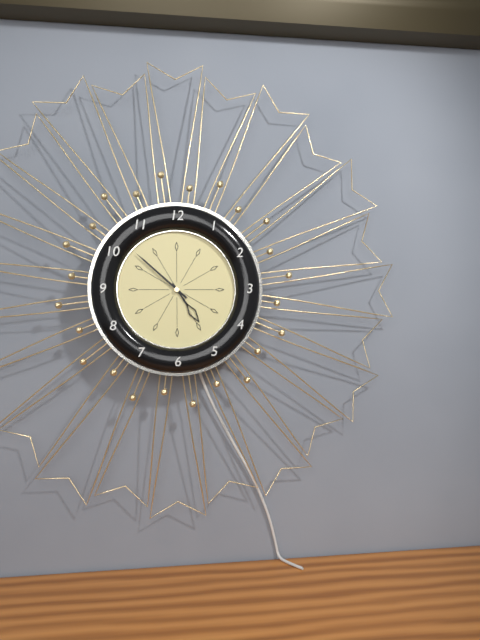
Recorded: 4 h 52 min
